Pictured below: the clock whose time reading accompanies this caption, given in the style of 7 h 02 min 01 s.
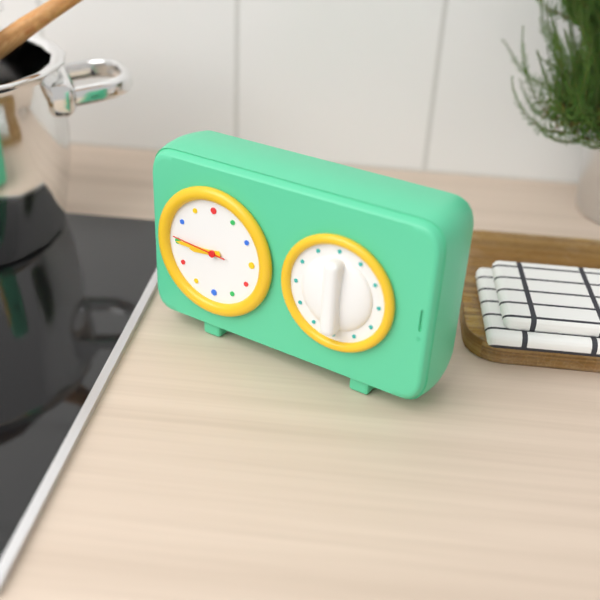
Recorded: 8 h 45 min 46 s
